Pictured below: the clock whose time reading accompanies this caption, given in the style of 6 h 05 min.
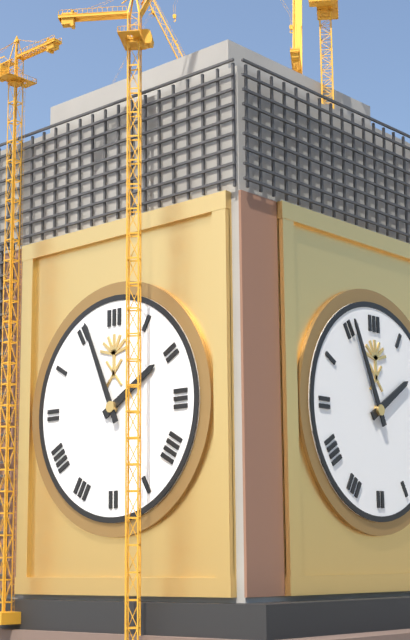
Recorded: 1 h 56 min
